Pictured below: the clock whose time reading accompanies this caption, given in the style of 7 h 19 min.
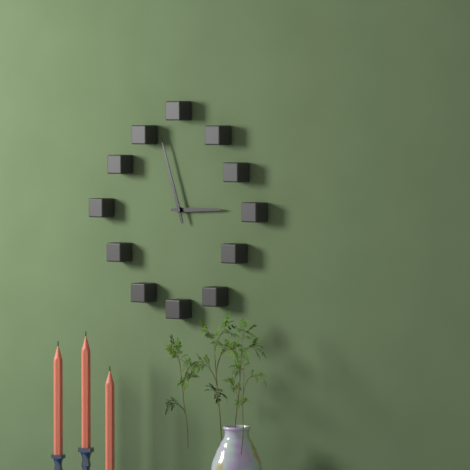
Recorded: 2 h 57 min
